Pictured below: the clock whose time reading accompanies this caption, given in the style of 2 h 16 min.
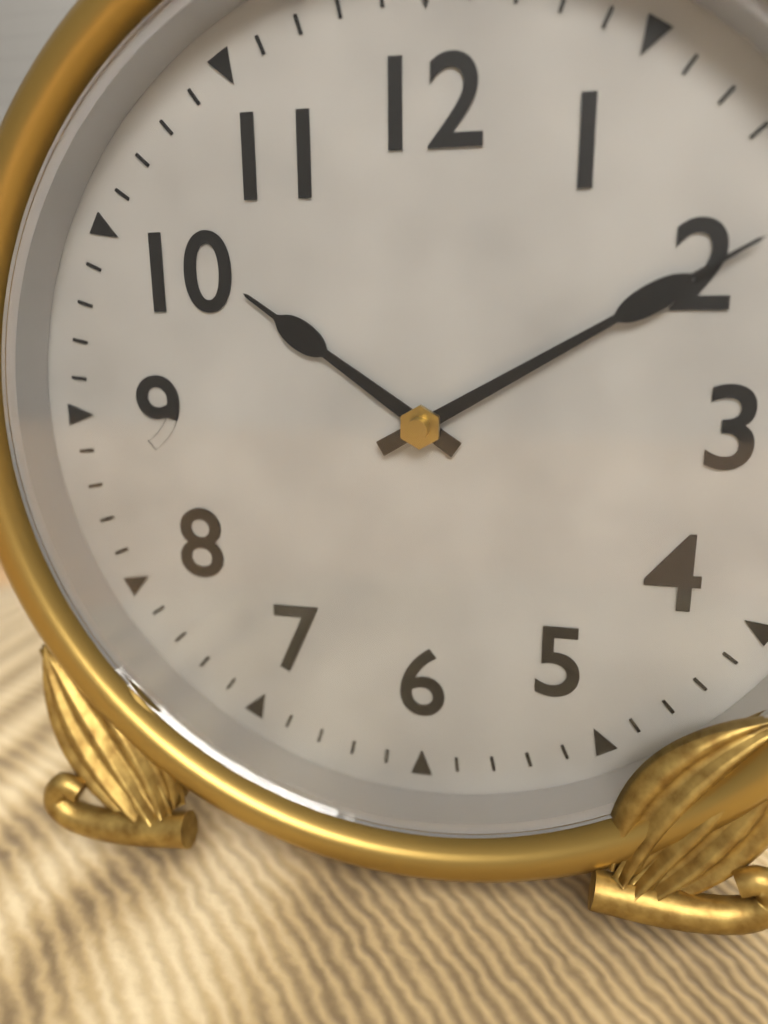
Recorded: 10 h 10 min
